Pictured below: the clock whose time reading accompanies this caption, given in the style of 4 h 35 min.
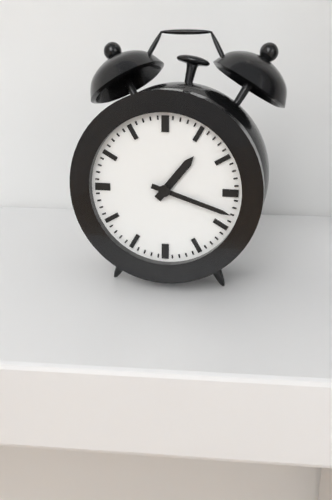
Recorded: 1 h 18 min
